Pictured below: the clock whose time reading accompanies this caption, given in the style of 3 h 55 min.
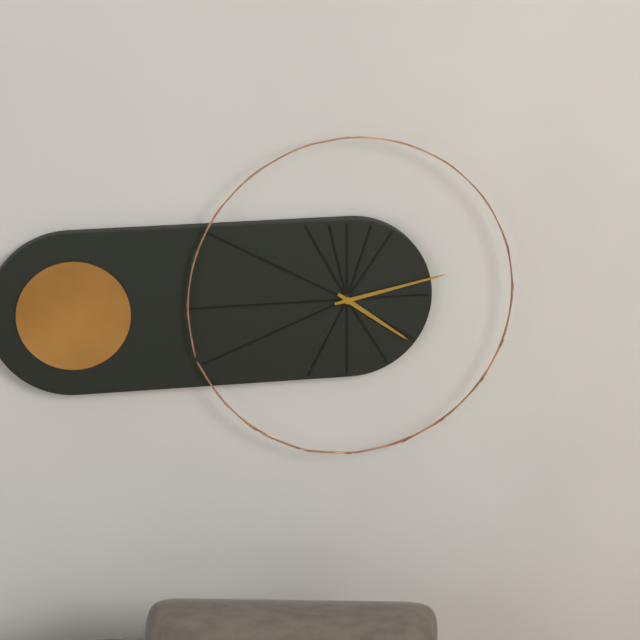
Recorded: 4 h 13 min
